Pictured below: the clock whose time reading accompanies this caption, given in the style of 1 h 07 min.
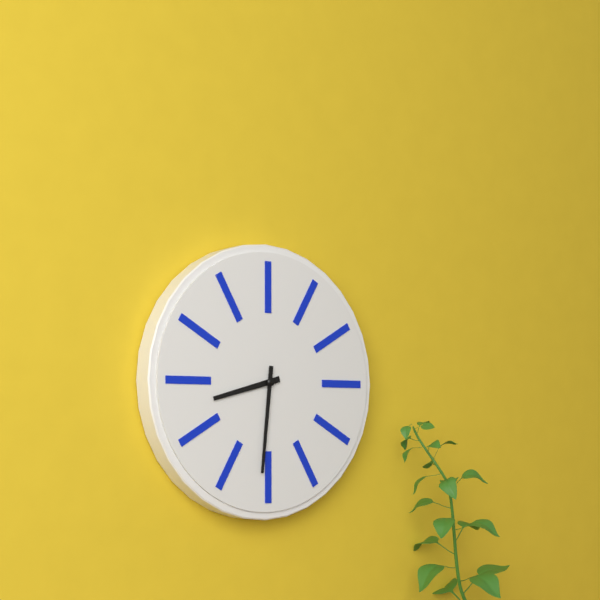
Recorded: 8 h 31 min
